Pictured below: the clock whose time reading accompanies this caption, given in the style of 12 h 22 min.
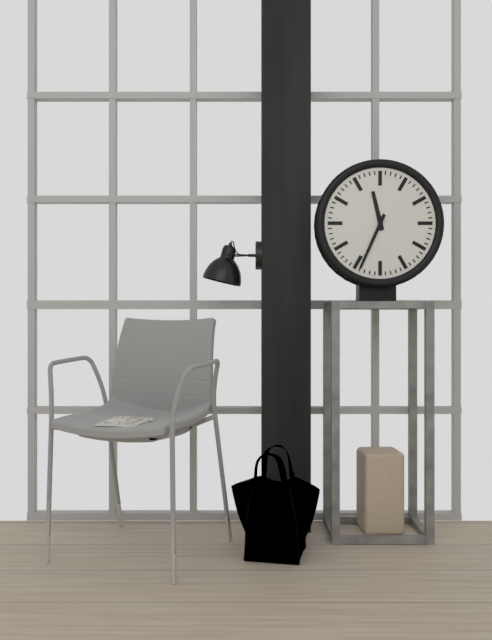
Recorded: 11 h 34 min
